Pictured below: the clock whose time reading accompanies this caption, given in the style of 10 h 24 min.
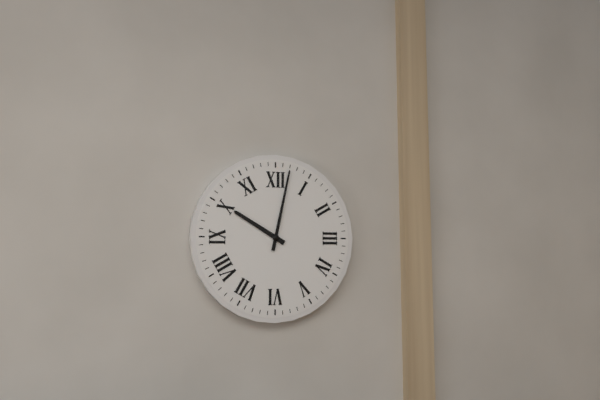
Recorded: 10 h 02 min
